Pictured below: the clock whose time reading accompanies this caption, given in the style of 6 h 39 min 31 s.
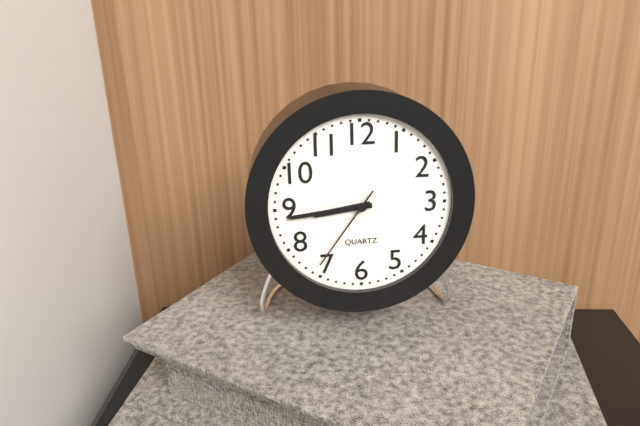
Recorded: 8 h 44 min 36 s
